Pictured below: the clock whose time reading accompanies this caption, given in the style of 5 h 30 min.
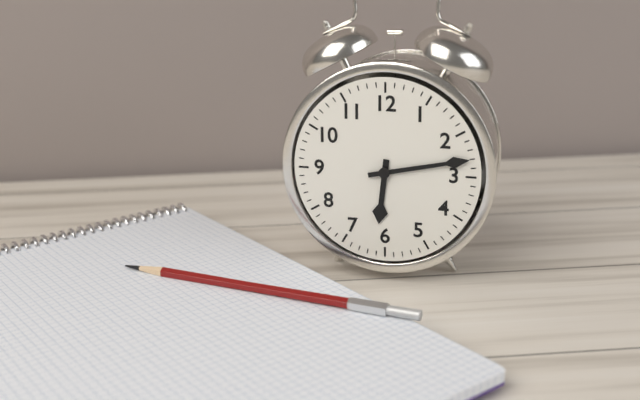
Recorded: 6 h 13 min
